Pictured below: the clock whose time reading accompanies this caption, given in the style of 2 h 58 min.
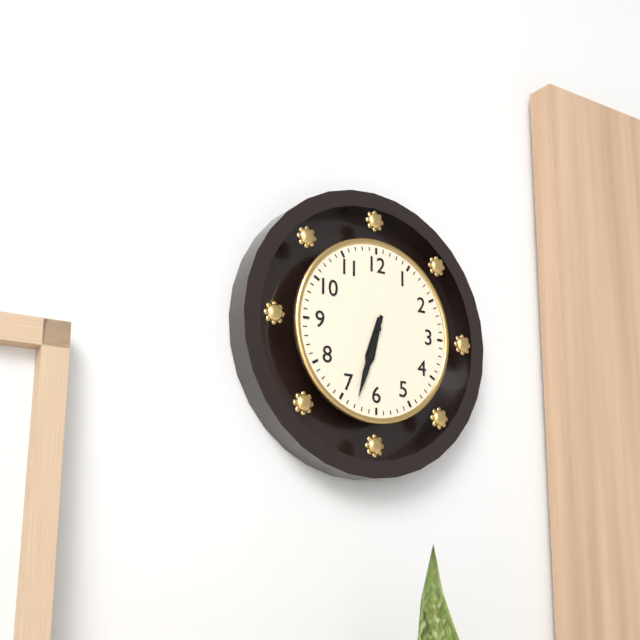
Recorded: 6 h 33 min
